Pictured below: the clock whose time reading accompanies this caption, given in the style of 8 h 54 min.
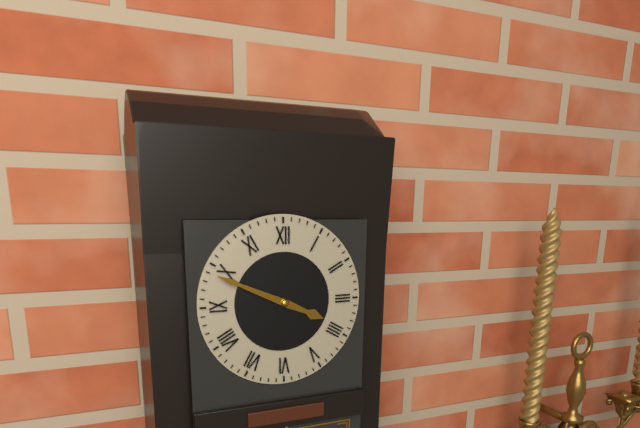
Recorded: 3 h 49 min
